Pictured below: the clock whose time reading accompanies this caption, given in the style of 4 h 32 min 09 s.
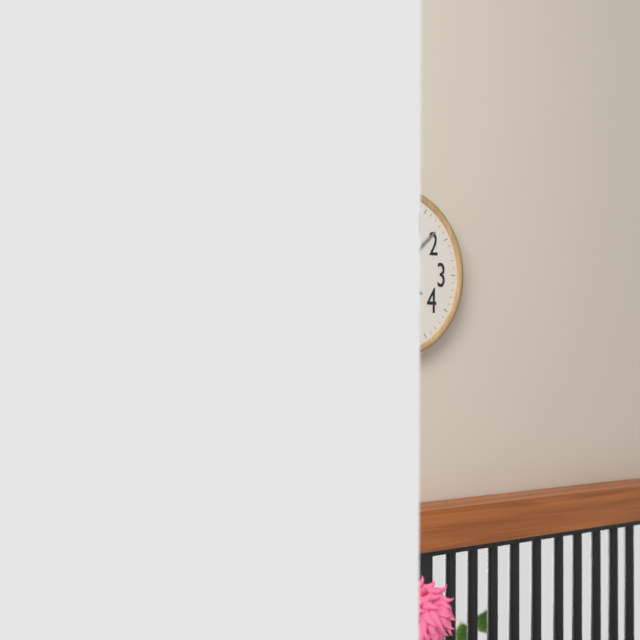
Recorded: 4 h 08 min 26 s
